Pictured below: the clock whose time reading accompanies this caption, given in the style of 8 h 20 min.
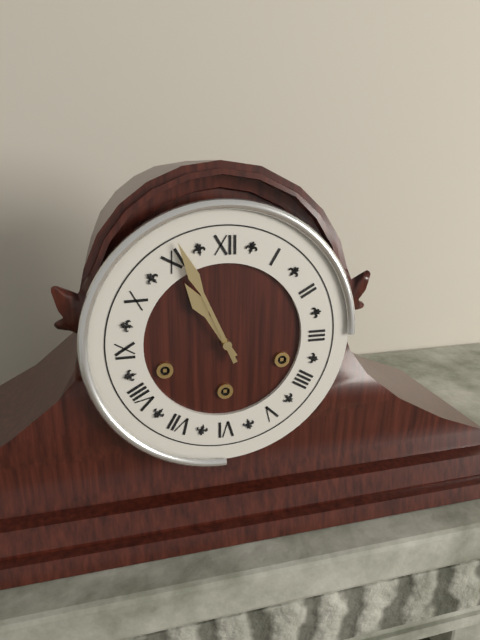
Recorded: 10 h 56 min
